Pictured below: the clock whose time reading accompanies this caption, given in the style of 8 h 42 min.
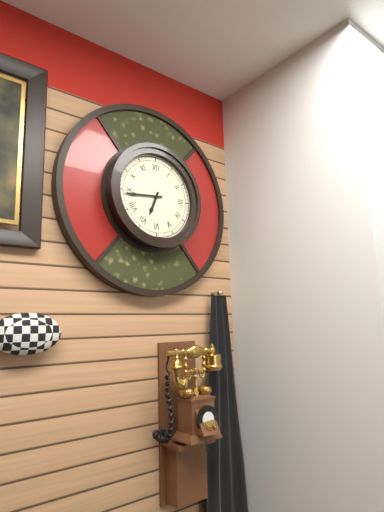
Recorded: 6 h 44 min
